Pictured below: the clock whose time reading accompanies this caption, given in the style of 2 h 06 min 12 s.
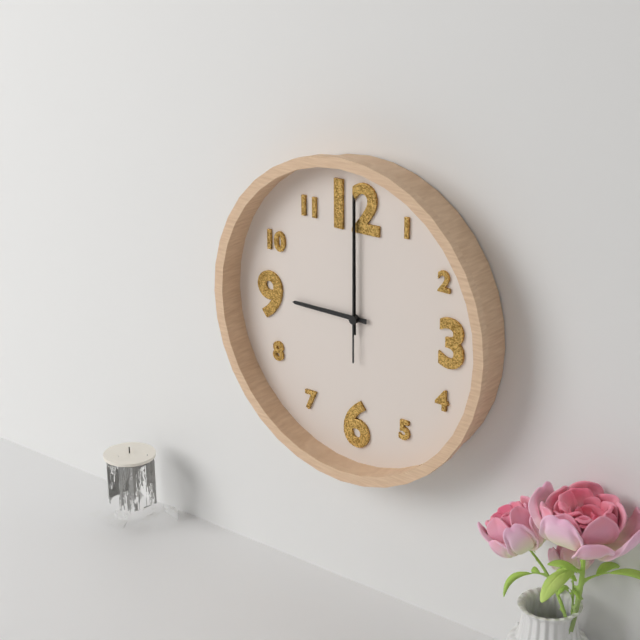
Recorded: 9 h 00 min 00 s
